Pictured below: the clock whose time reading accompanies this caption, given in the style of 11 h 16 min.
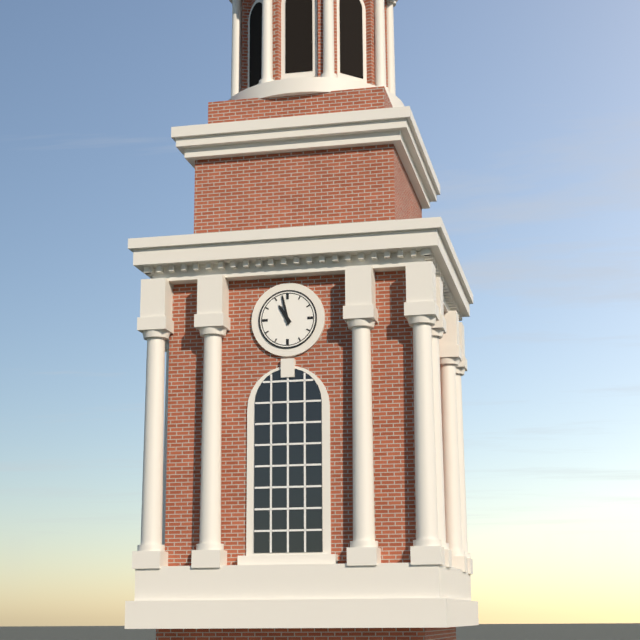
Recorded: 10 h 58 min
